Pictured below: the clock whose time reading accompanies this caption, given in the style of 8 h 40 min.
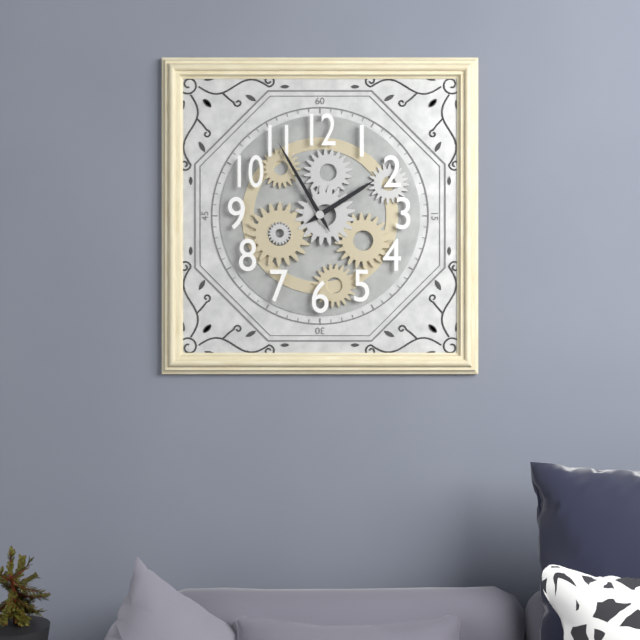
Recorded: 1 h 55 min
